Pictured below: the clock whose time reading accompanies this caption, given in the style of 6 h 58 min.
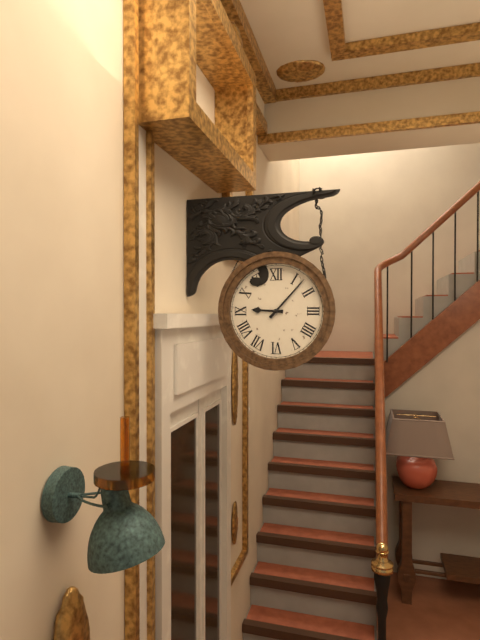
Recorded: 9 h 07 min
